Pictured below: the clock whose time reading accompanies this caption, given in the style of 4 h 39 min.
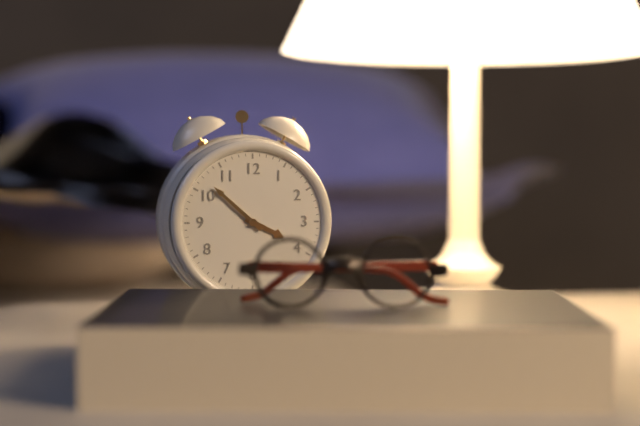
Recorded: 3 h 52 min
